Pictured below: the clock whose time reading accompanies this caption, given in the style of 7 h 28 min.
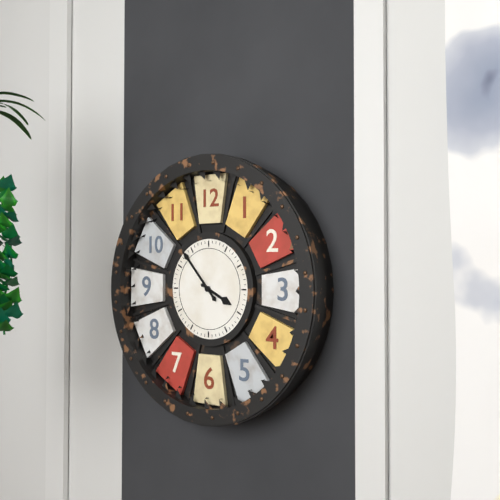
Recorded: 3 h 53 min
